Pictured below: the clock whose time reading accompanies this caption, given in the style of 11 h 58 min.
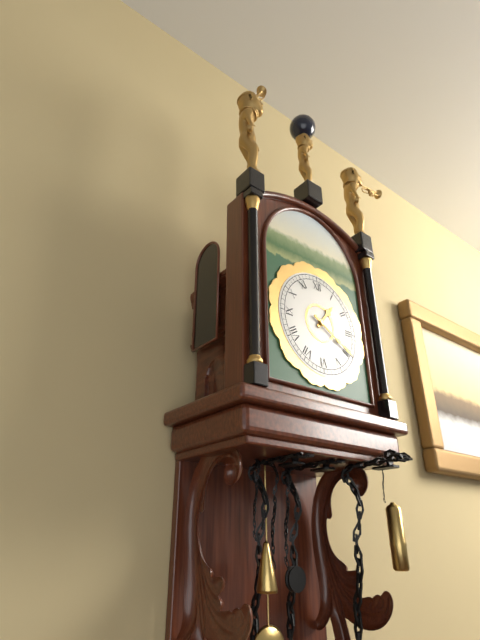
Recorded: 1 h 20 min
